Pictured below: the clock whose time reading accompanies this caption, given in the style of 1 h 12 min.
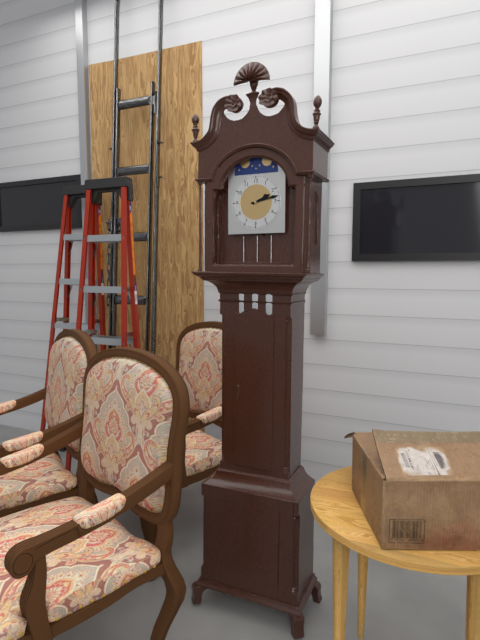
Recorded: 2 h 13 min
